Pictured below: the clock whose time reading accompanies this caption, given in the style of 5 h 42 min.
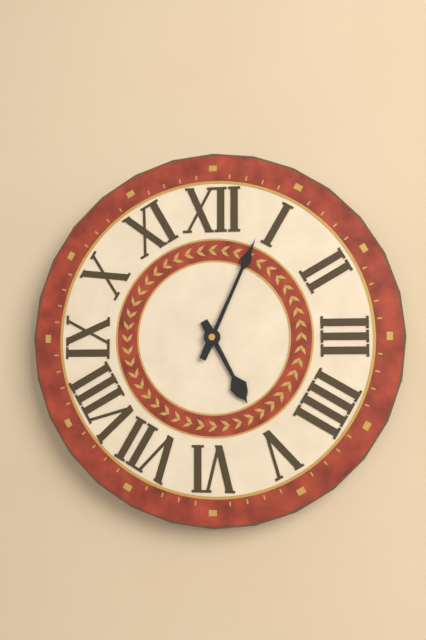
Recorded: 5 h 04 min
